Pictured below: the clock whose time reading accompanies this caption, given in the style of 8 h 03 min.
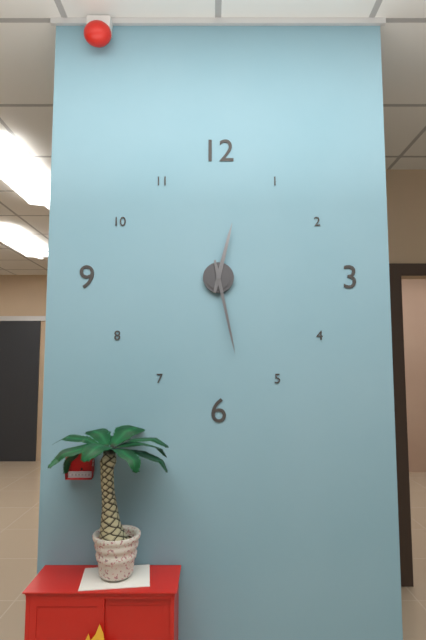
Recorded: 12 h 28 min
